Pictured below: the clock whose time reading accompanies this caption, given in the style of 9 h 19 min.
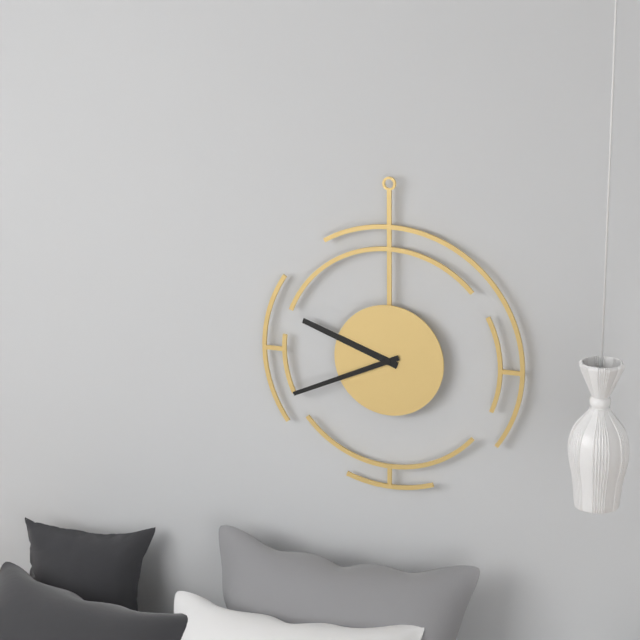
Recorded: 9 h 41 min
